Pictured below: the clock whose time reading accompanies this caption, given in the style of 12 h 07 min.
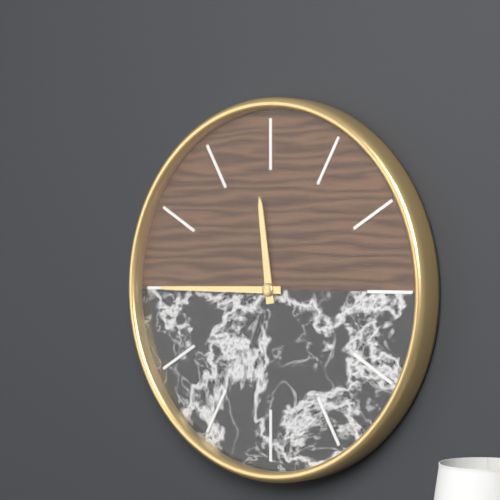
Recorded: 11 h 45 min
